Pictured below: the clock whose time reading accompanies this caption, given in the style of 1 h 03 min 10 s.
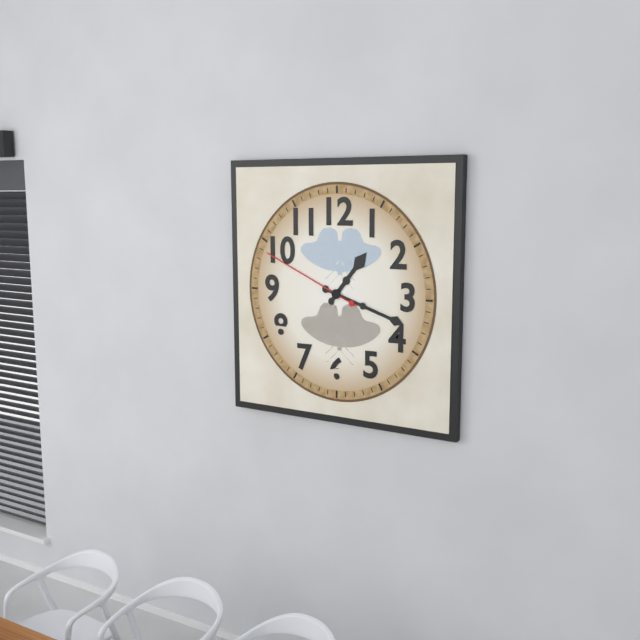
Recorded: 1 h 18 min 49 s
